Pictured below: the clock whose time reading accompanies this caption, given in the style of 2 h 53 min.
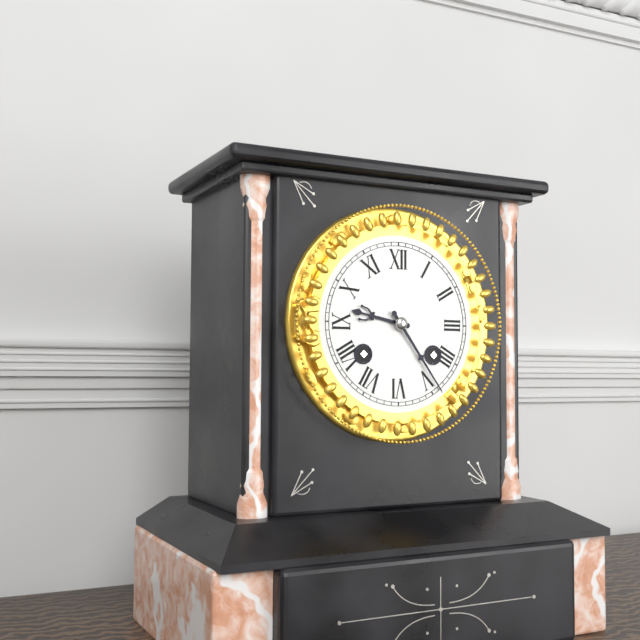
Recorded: 9 h 24 min
